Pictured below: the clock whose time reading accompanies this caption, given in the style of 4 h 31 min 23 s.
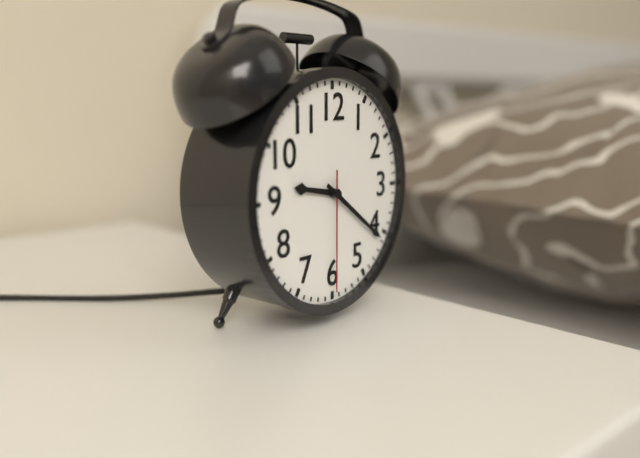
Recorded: 9 h 21 min 30 s
